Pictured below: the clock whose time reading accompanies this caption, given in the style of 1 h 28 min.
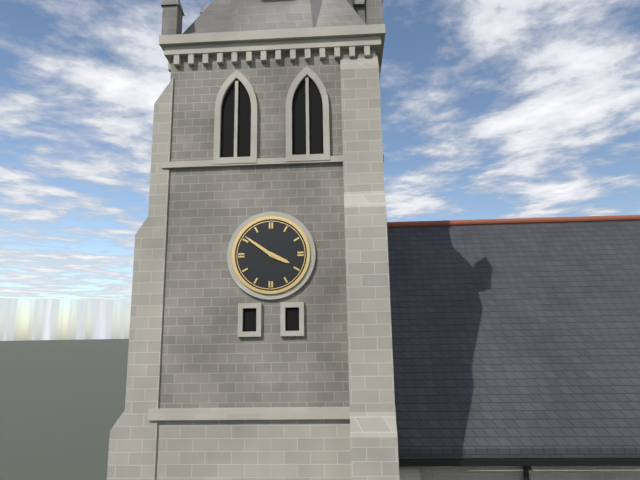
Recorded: 3 h 51 min
